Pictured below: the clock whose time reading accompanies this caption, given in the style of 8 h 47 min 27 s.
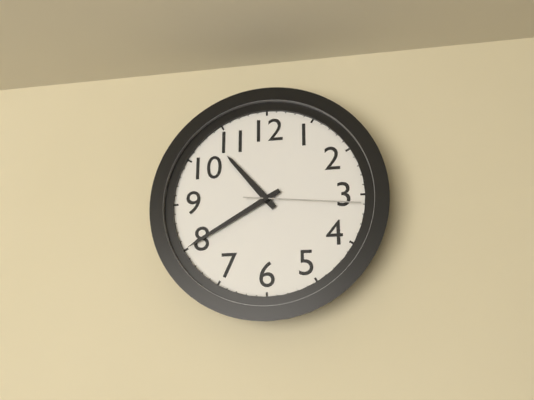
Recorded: 10 h 40 min 16 s
